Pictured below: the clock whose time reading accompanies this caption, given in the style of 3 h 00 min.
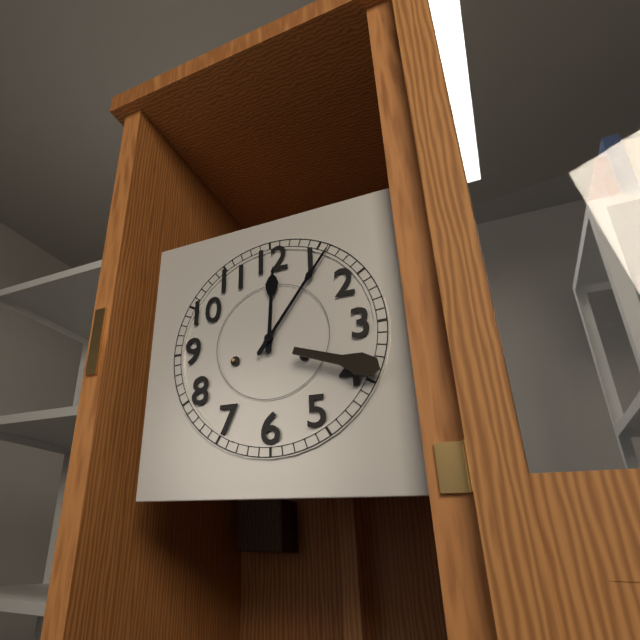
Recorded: 12 h 06 min
